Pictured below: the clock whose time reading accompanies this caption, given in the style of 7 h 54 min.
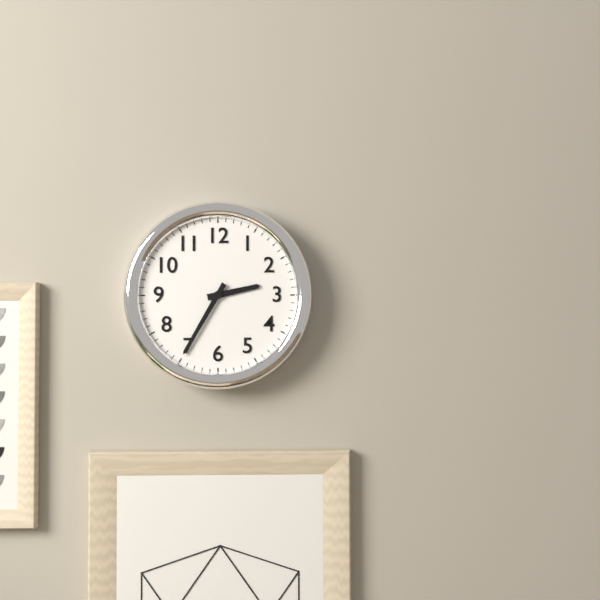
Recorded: 2 h 35 min
